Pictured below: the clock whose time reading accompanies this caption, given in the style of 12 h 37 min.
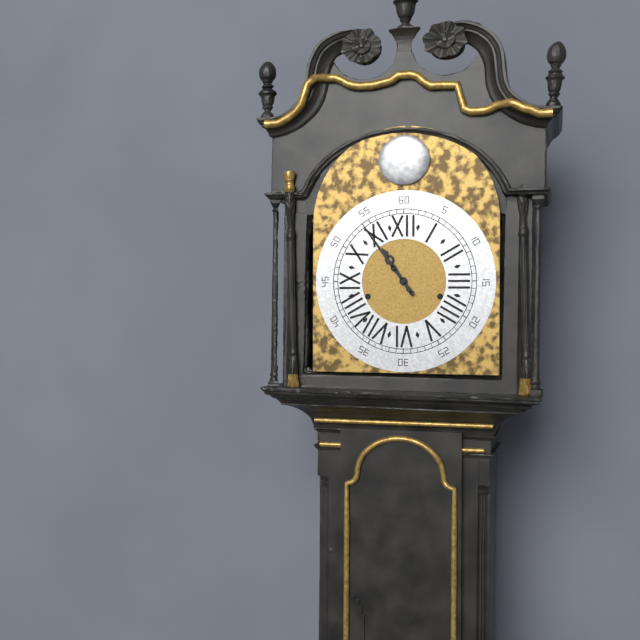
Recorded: 10 h 54 min
